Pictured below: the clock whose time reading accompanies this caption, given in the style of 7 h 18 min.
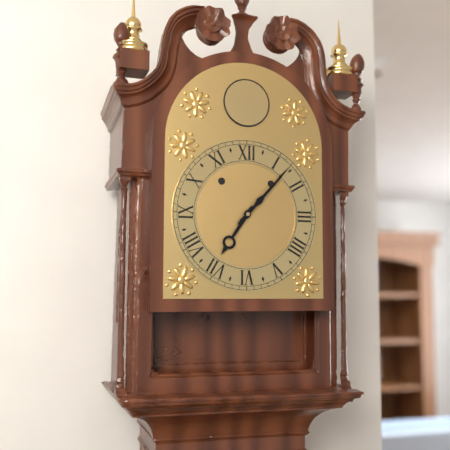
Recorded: 7 h 07 min
